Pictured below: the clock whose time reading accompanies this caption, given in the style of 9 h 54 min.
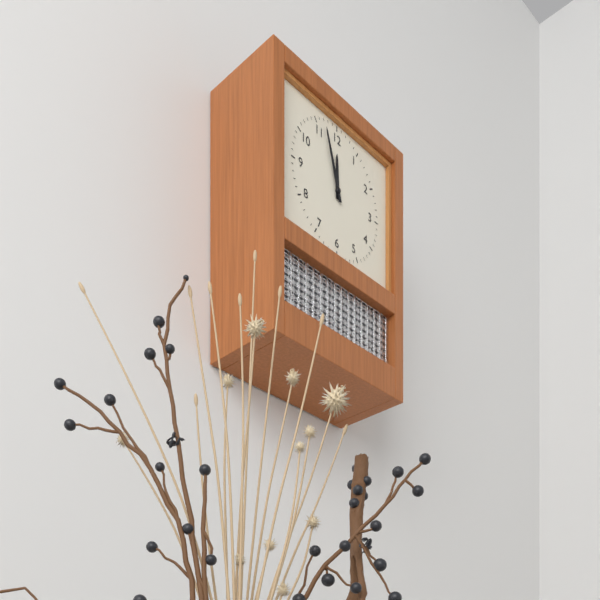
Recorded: 11 h 57 min
